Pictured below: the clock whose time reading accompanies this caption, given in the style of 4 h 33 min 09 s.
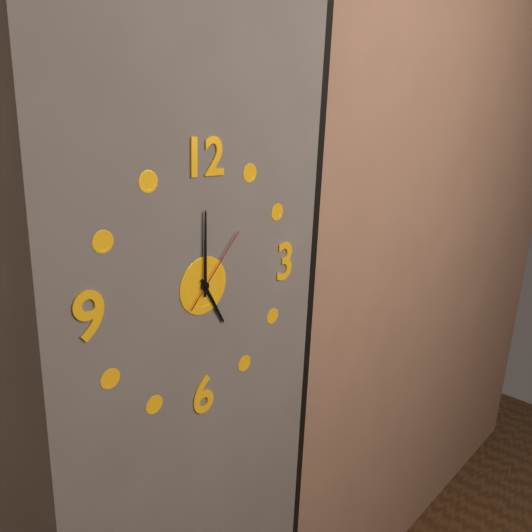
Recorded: 5 h 00 min 07 s
